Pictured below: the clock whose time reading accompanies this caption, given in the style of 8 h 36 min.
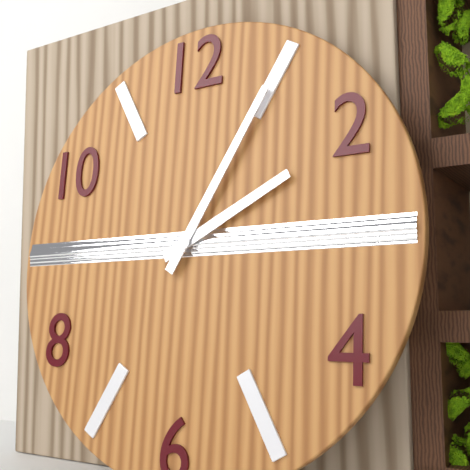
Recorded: 2 h 05 min
